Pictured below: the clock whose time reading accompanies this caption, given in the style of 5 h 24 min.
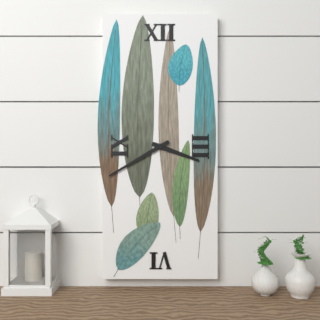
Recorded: 3 h 40 min
